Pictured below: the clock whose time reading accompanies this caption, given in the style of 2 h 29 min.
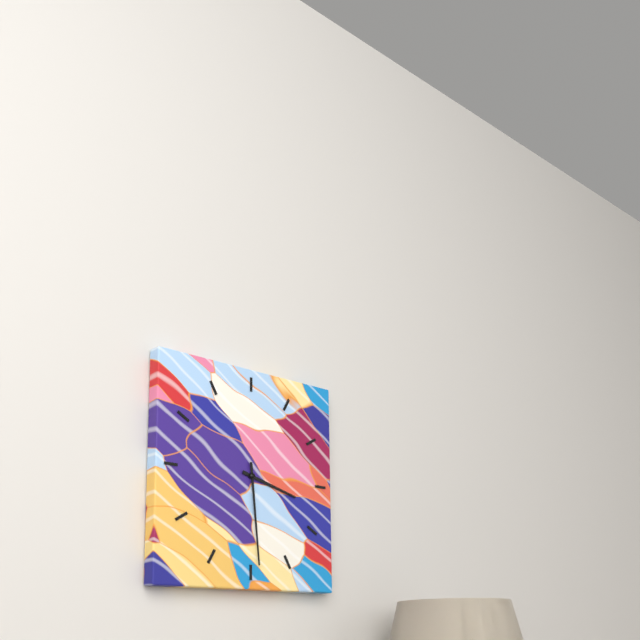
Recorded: 3 h 29 min
